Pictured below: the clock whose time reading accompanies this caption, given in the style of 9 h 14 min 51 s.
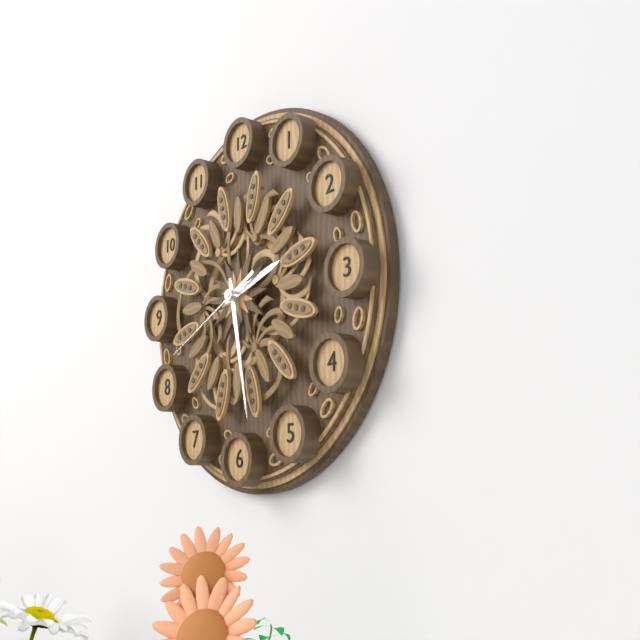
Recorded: 2 h 28 min 41 s
